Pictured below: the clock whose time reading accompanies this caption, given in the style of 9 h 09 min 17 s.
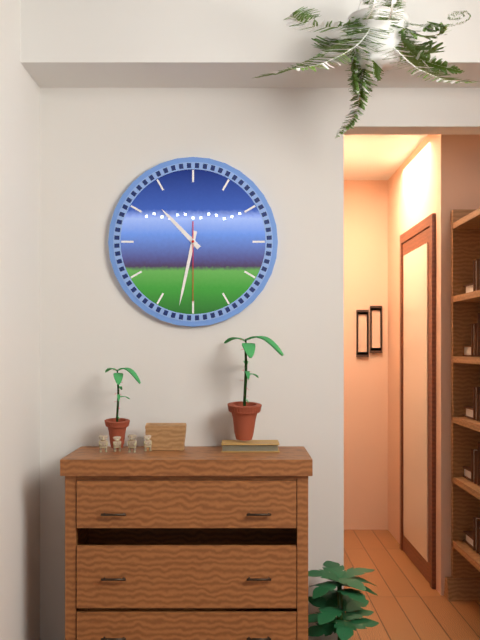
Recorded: 10 h 32 min 30 s
